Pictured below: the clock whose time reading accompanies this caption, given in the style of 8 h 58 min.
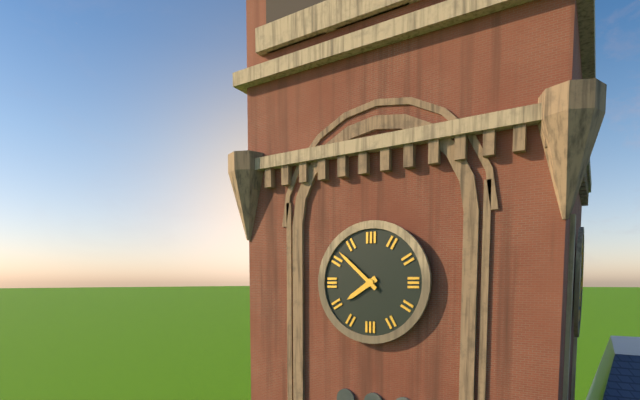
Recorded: 7 h 52 min
